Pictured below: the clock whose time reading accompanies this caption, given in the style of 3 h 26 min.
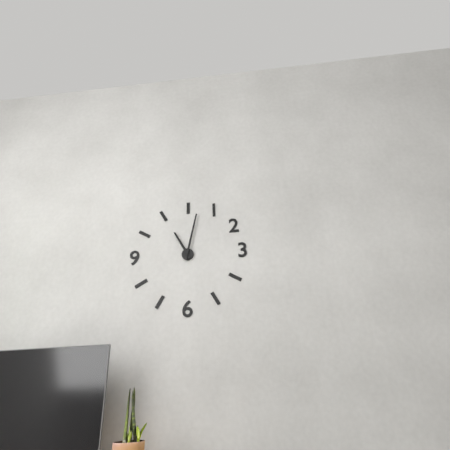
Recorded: 11 h 02 min
